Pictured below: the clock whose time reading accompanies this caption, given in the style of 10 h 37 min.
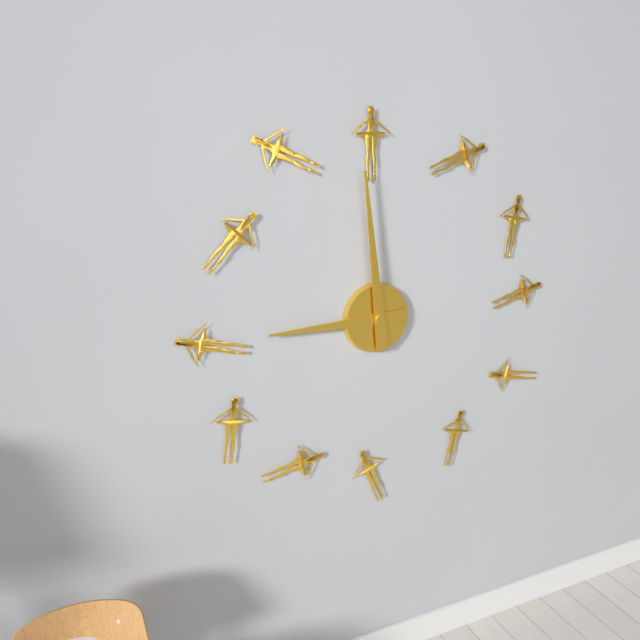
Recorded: 8 h 59 min
